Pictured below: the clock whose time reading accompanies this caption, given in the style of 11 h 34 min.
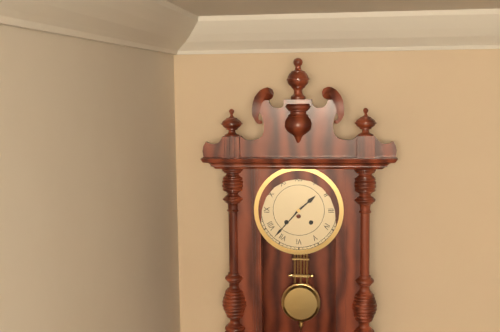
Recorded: 1 h 37 min
